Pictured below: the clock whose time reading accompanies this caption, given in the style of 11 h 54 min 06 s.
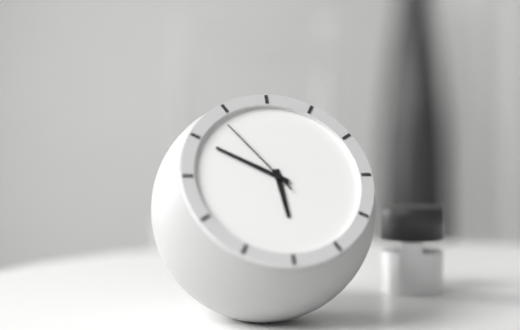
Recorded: 5 h 50 min 54 s
